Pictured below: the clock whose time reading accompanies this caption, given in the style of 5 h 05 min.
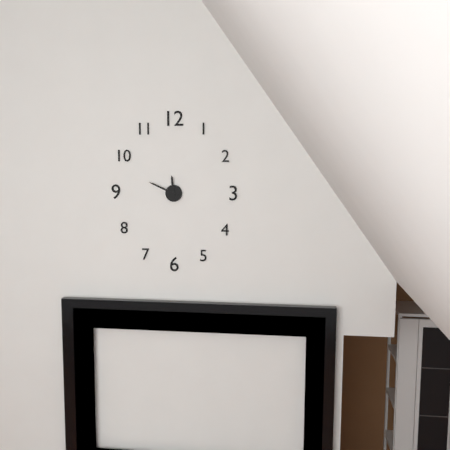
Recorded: 11 h 49 min
